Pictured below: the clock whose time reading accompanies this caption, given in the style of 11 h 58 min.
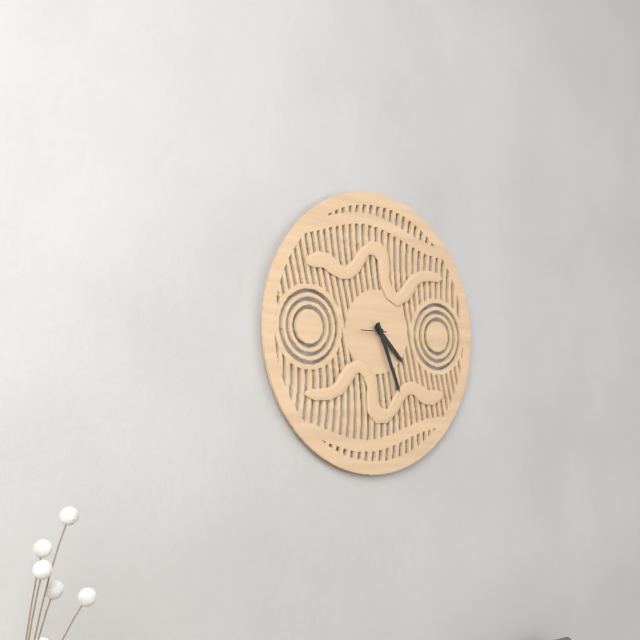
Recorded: 4 h 26 min
